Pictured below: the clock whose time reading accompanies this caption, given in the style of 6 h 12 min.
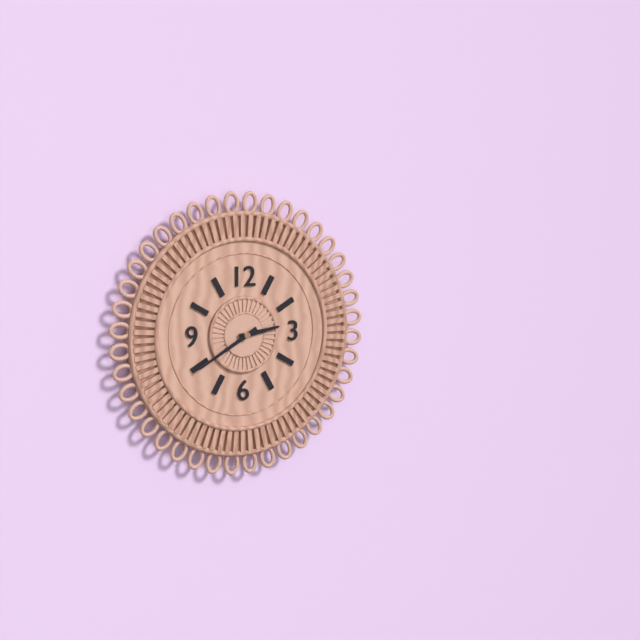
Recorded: 2 h 40 min
